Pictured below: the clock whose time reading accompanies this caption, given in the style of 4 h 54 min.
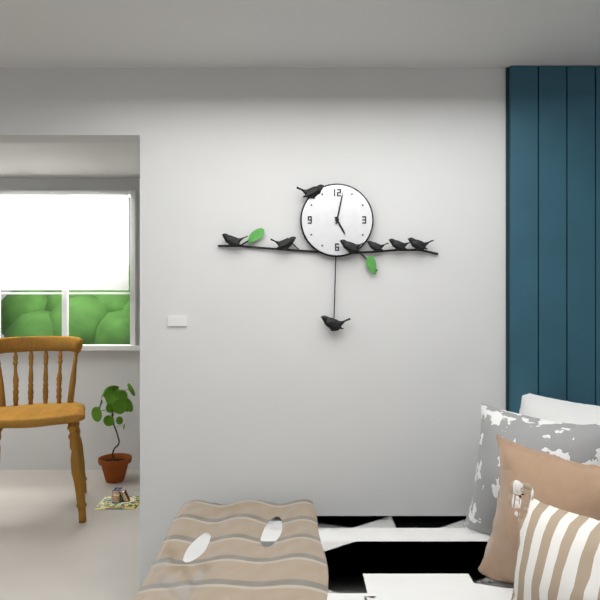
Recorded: 5 h 02 min
